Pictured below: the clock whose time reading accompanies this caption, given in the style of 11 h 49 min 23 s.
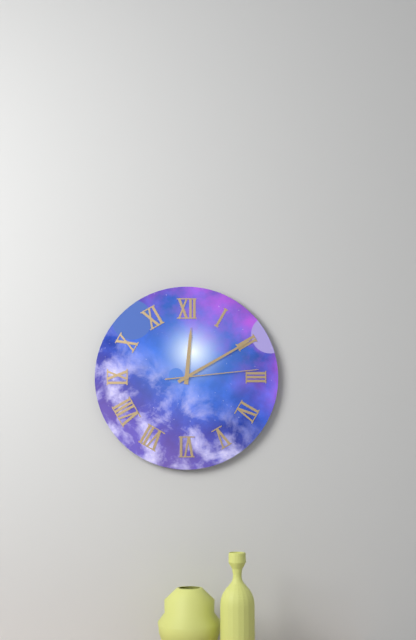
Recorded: 12 h 10 min 14 s
